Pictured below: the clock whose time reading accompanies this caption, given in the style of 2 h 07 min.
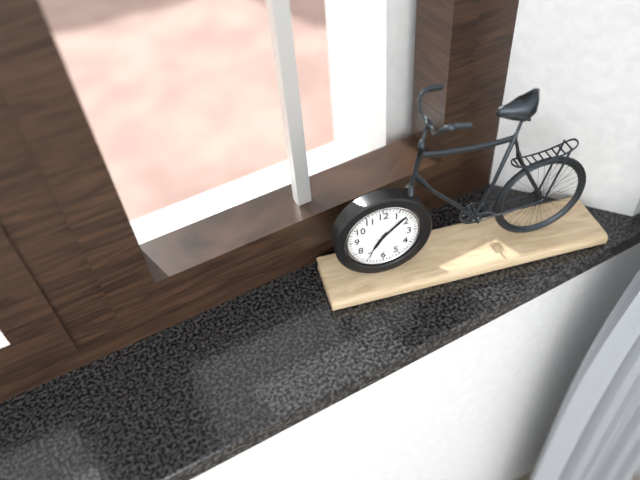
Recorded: 7 h 08 min
